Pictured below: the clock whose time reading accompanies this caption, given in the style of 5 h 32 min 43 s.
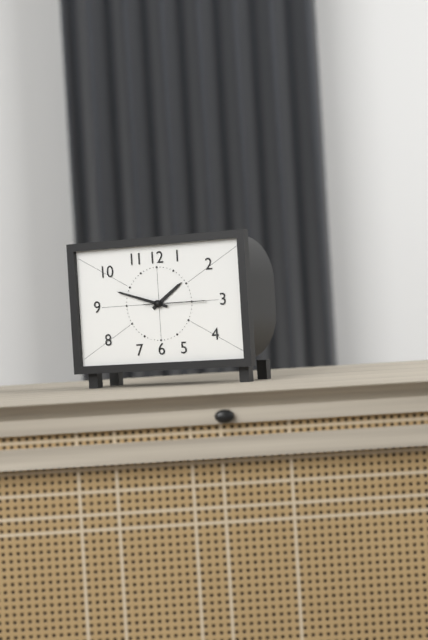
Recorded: 1 h 48 min 15 s
